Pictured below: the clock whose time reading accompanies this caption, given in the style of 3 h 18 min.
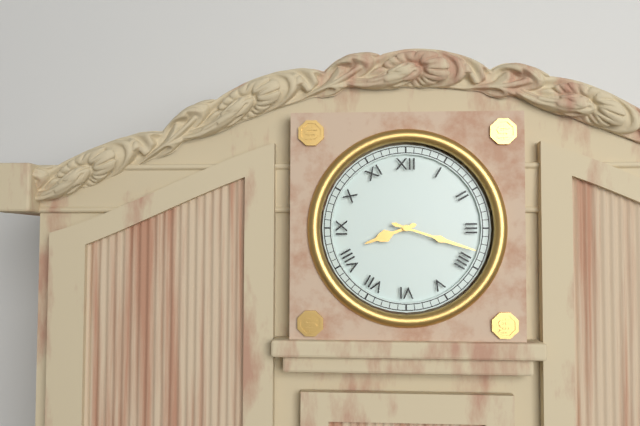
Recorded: 8 h 18 min
